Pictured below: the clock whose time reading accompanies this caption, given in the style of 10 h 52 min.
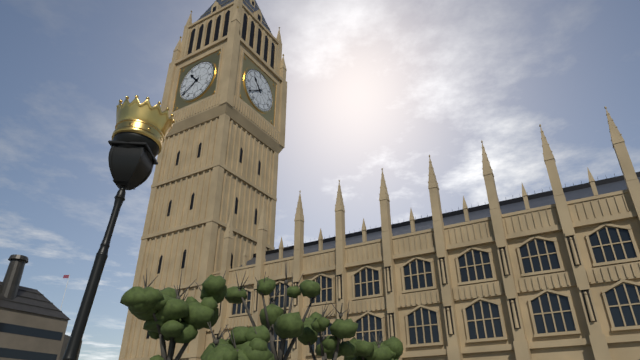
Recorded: 10 h 39 min
